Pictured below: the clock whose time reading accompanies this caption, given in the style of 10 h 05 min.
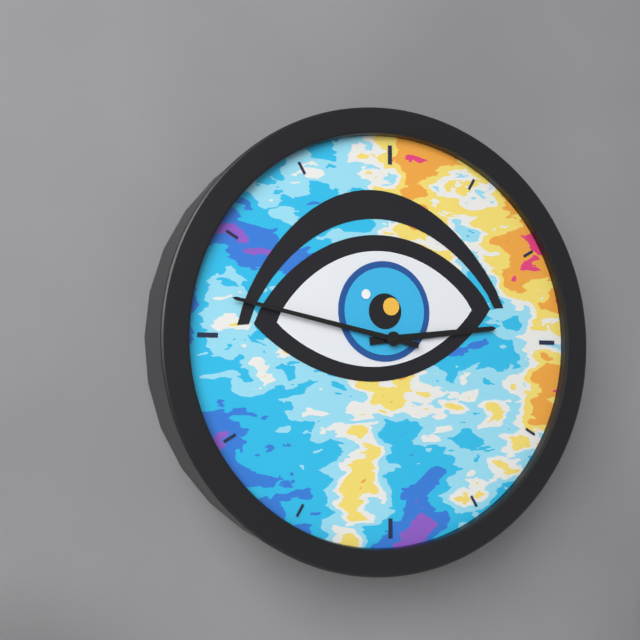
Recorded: 2 h 47 min
